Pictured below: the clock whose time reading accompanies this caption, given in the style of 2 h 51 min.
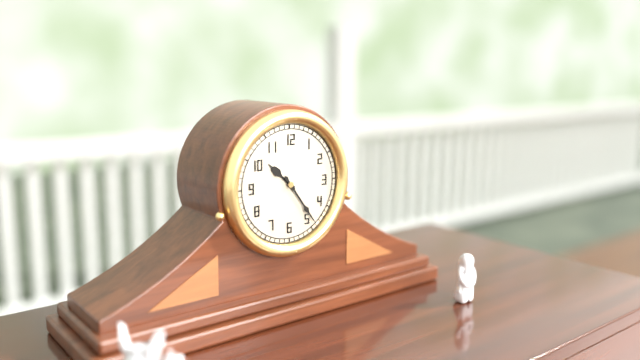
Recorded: 10 h 24 min
